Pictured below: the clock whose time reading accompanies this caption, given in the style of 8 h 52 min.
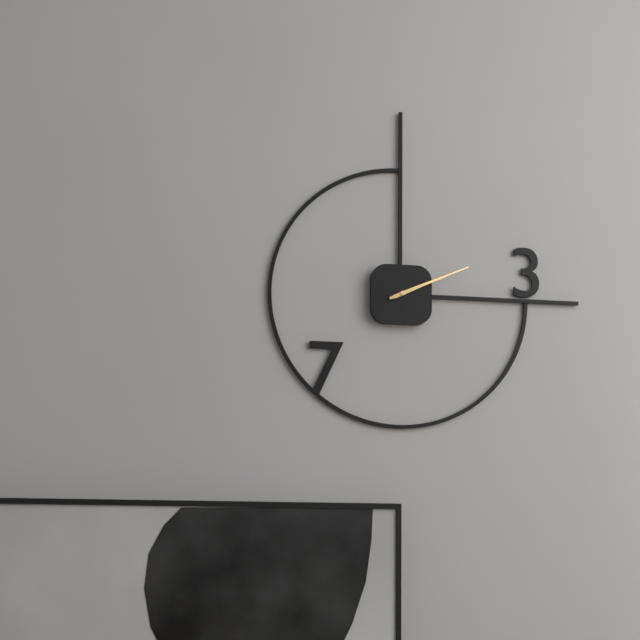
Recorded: 2 h 11 min
